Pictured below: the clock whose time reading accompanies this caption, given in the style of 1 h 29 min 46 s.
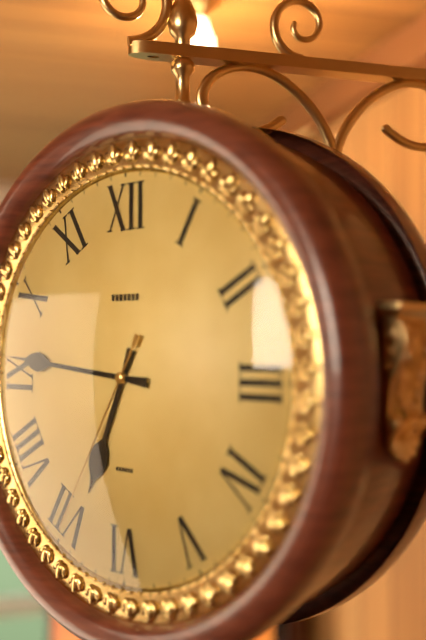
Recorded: 6 h 46 min 35 s
